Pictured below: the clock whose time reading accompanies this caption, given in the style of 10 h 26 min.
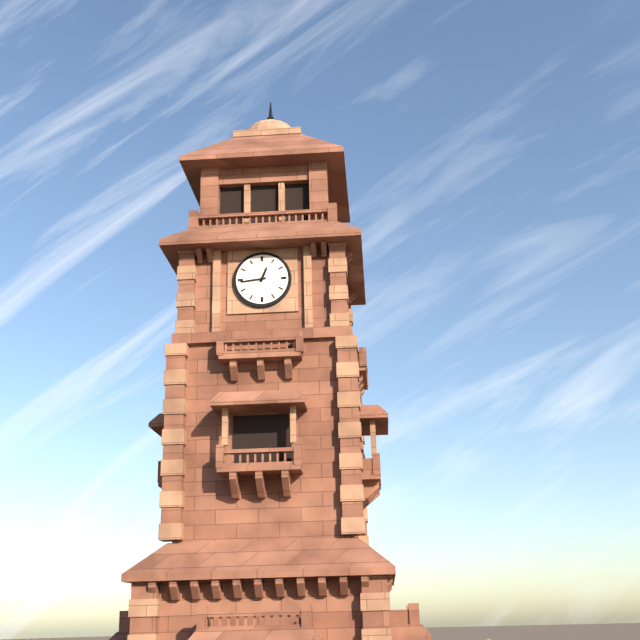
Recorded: 12 h 44 min
